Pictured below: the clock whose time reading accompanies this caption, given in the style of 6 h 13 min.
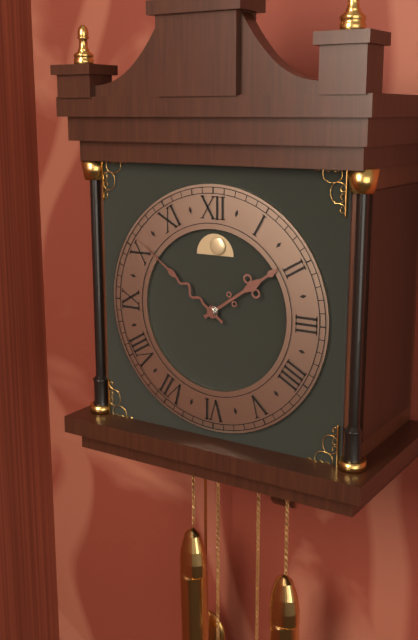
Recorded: 1 h 51 min
